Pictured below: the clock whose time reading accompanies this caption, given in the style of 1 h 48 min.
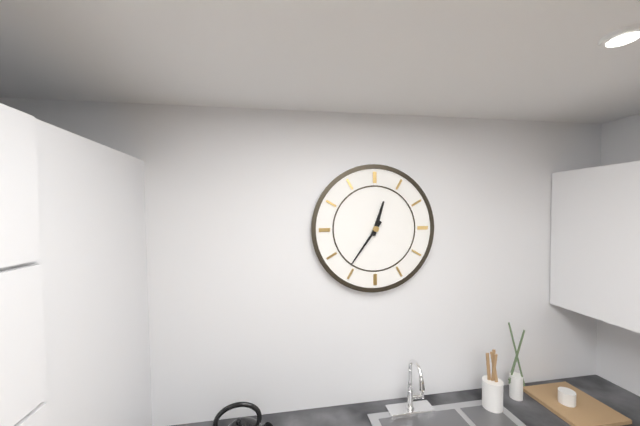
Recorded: 12 h 36 min
